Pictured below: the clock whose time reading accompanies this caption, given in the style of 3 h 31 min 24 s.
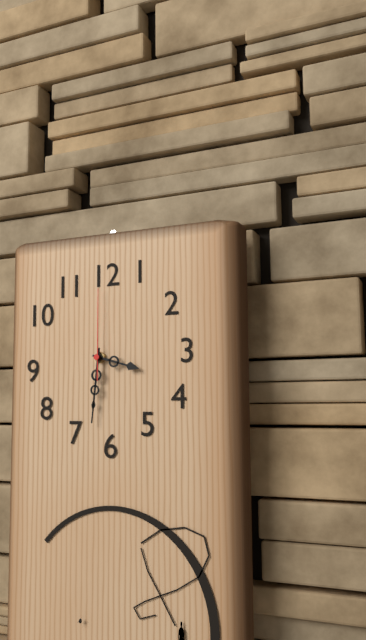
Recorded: 3 h 31 min 00 s
